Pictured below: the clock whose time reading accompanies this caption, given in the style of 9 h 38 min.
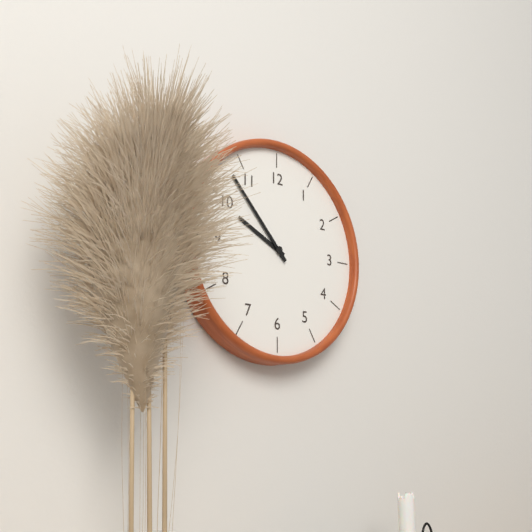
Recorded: 9 h 53 min
